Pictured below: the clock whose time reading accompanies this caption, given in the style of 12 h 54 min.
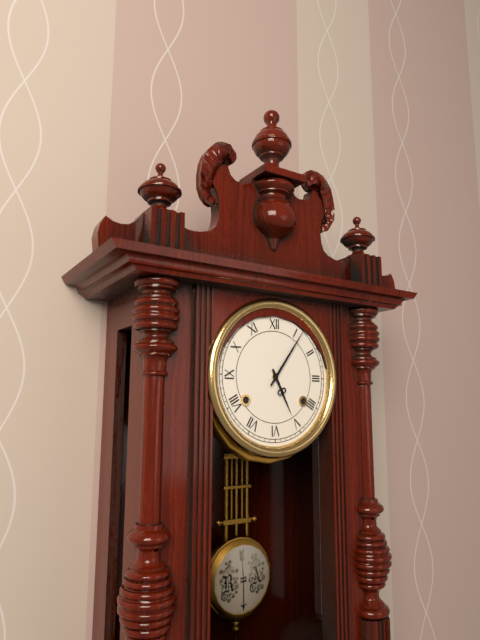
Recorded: 5 h 06 min
